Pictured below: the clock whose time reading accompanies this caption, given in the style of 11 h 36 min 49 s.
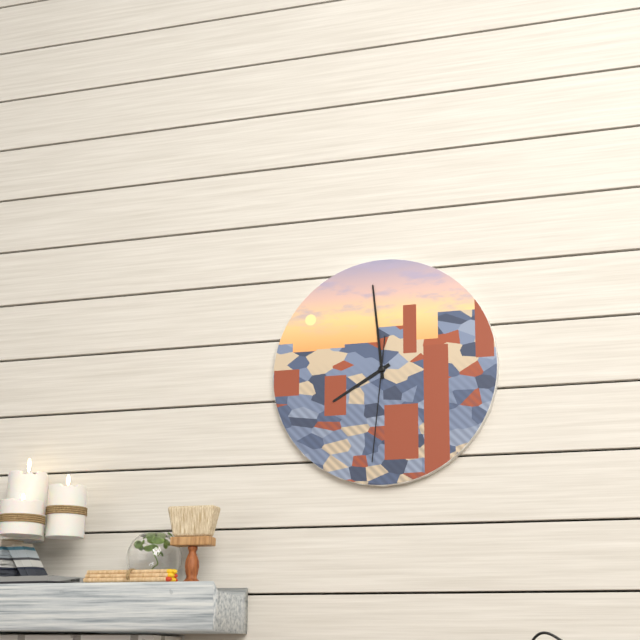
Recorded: 7 h 59 min 31 s
